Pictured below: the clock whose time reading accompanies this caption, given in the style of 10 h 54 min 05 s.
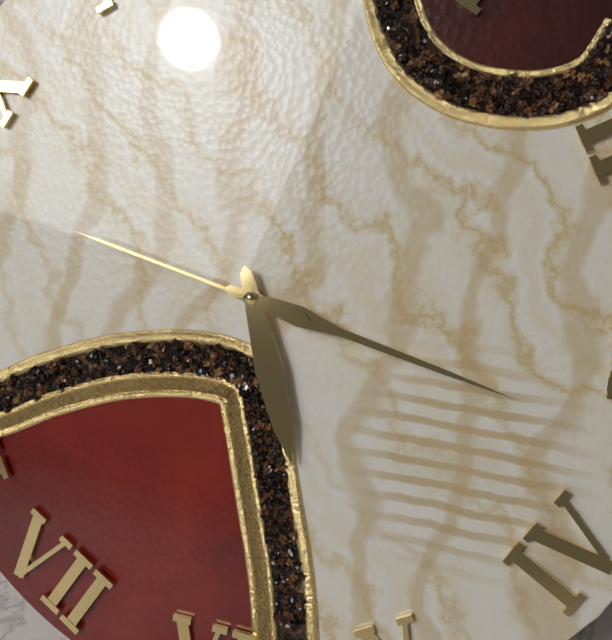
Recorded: 5 h 17 min 47 s
